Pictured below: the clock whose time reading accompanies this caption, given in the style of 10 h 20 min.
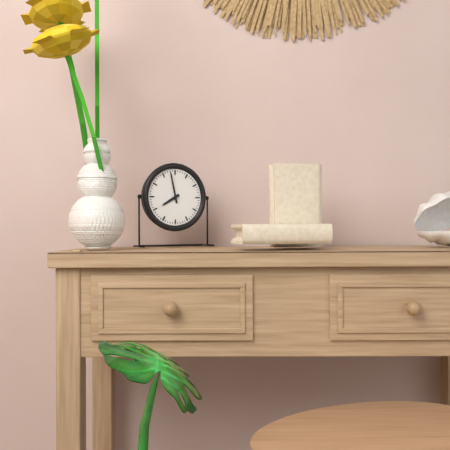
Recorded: 7 h 58 min
